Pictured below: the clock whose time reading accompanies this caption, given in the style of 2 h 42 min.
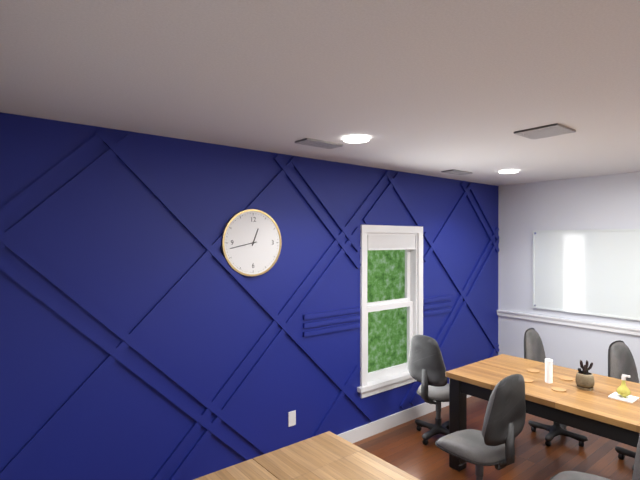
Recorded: 12 h 43 min
